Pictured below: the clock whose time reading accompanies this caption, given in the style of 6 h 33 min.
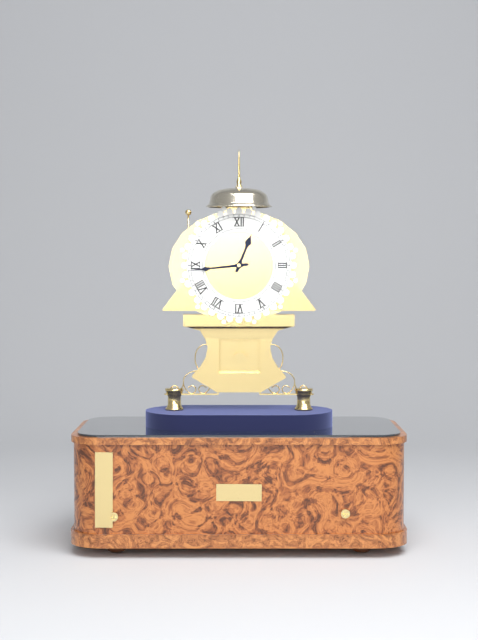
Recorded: 12 h 44 min
